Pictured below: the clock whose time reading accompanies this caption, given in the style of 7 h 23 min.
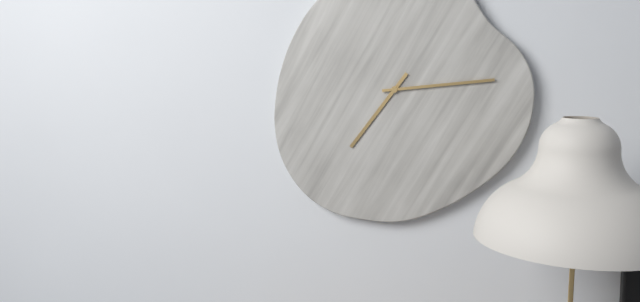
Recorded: 7 h 14 min
